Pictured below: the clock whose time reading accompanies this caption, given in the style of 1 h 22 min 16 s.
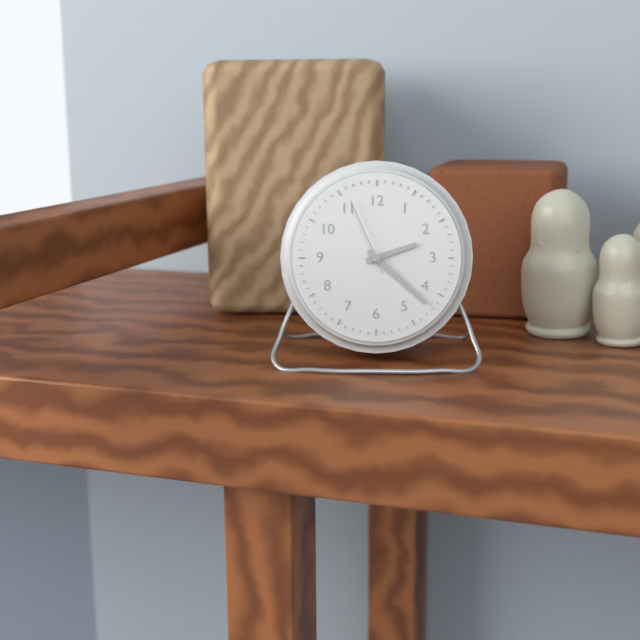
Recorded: 2 h 22 min 56 s
